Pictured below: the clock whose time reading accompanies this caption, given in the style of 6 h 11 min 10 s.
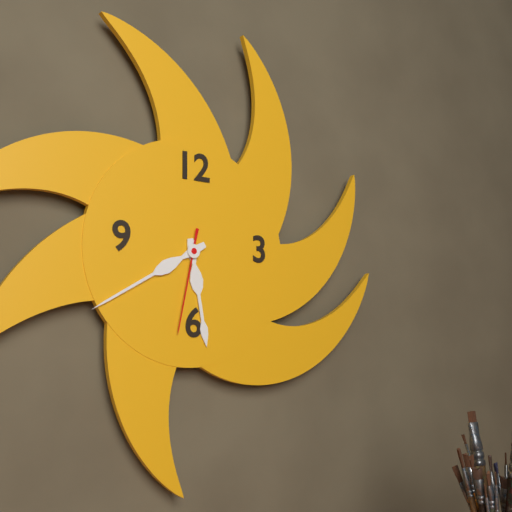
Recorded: 5 h 40 min 32 s
